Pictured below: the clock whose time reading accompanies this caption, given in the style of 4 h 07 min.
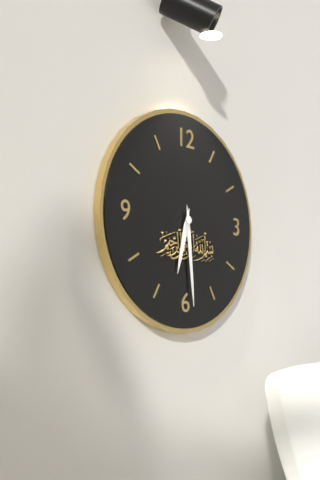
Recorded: 6 h 29 min
